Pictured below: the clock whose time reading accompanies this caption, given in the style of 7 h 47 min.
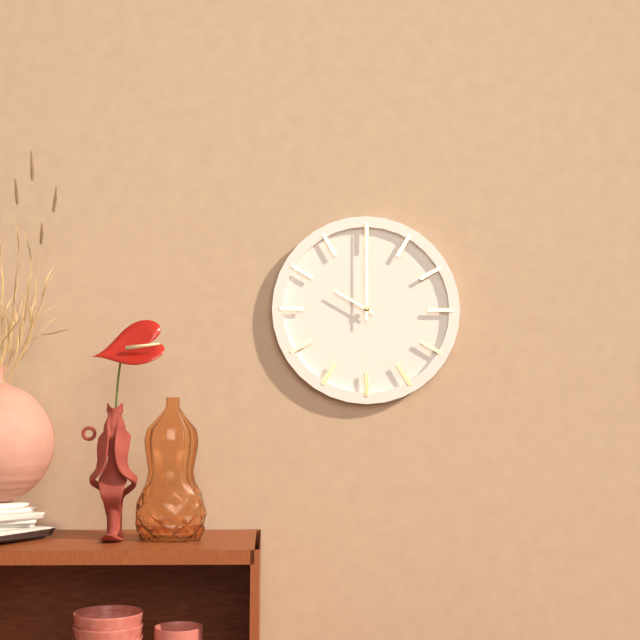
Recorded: 10 h 00 min
